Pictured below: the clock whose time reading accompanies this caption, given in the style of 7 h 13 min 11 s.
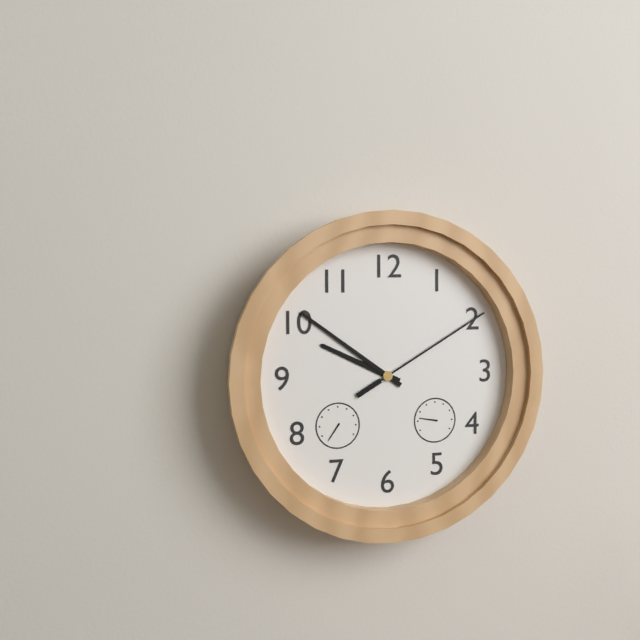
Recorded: 9 h 51 min 10 s
